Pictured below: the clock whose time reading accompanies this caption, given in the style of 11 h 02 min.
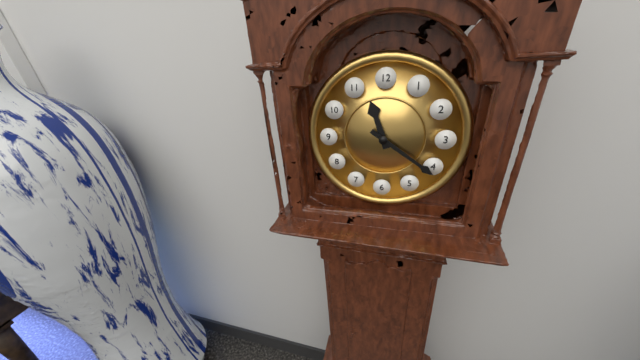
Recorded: 11 h 21 min
